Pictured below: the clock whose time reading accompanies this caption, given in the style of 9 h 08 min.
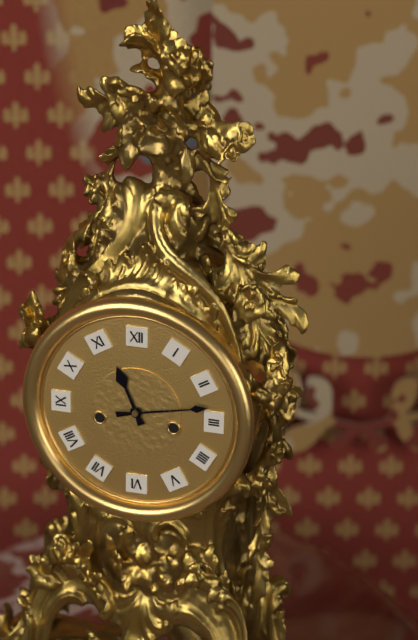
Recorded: 11 h 13 min
